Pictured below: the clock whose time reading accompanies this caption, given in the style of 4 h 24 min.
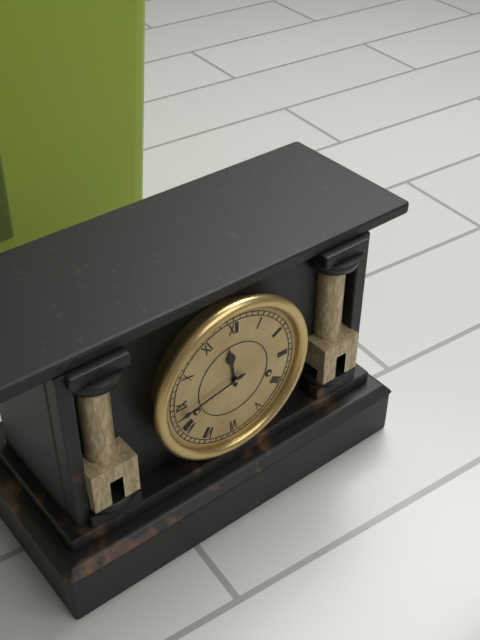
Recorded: 11 h 43 min
